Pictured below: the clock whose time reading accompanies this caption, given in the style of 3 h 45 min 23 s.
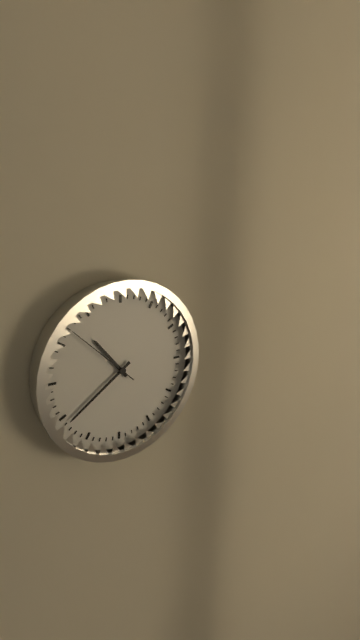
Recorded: 10 h 39 min 52 s
